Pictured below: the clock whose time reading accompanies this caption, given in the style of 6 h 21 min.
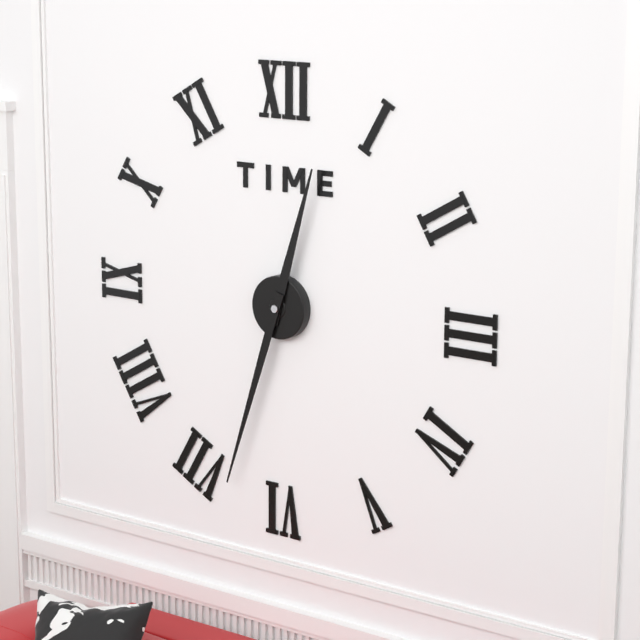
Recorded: 12 h 33 min
